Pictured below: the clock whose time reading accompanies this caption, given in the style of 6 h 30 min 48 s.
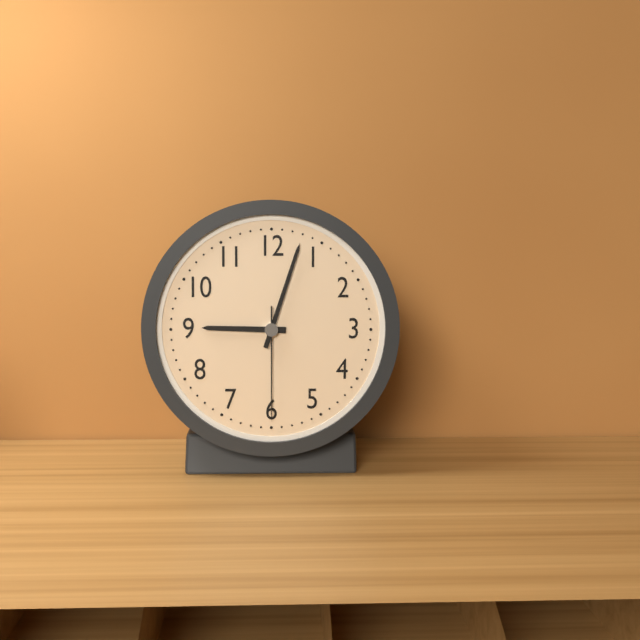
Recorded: 9 h 03 min 30 s
